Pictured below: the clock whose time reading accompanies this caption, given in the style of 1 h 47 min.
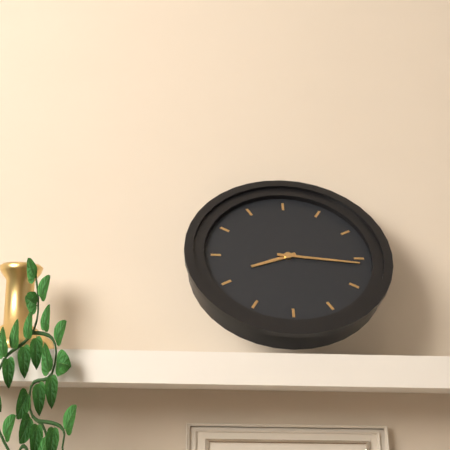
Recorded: 8 h 16 min
